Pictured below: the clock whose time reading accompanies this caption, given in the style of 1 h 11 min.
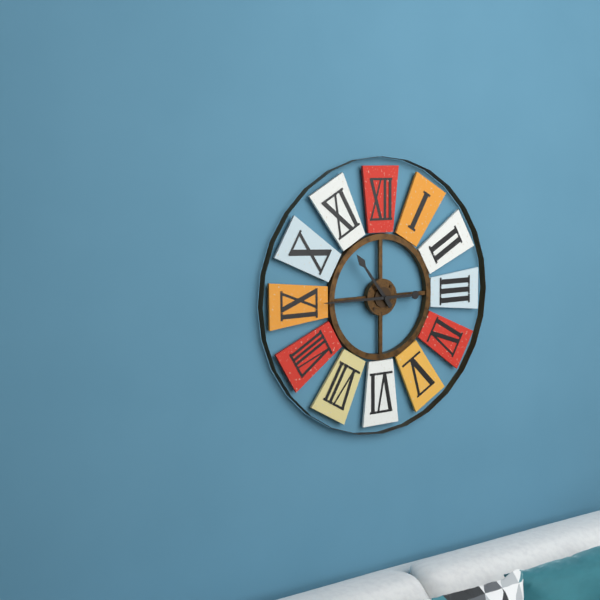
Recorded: 10 h 45 min
